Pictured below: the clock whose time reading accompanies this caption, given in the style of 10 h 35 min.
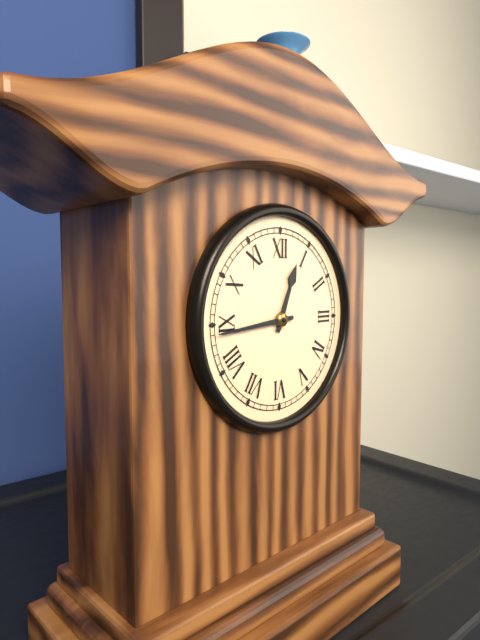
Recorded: 12 h 44 min
